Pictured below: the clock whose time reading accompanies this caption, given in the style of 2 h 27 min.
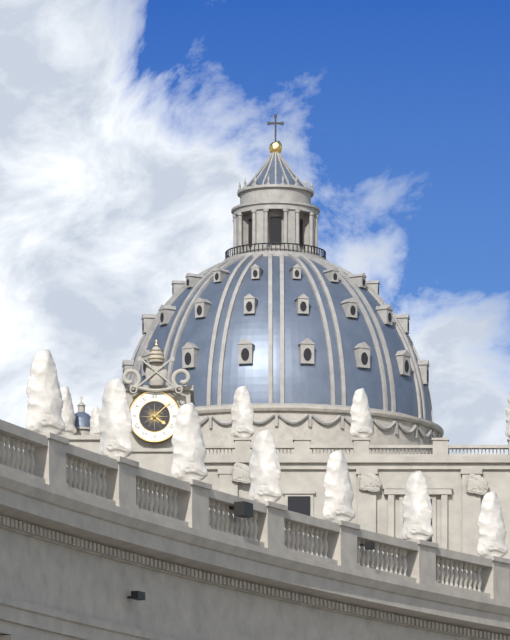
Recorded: 4 h 08 min
